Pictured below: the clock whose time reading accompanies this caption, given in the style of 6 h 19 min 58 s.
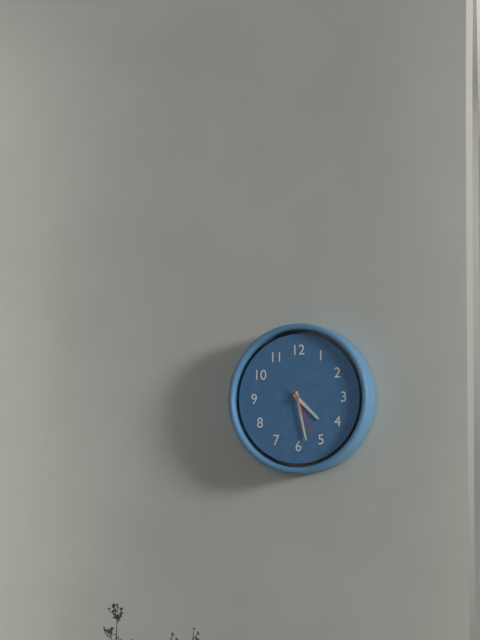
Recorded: 4 h 28 min 26 s
